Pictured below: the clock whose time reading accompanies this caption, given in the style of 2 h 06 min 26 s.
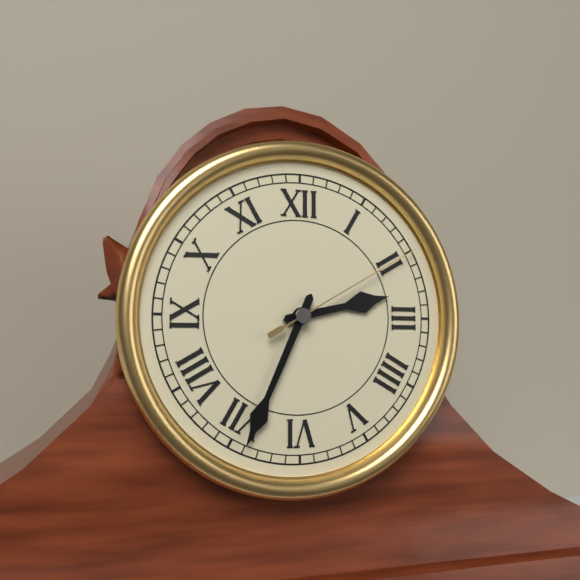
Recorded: 2 h 34 min 10 s
